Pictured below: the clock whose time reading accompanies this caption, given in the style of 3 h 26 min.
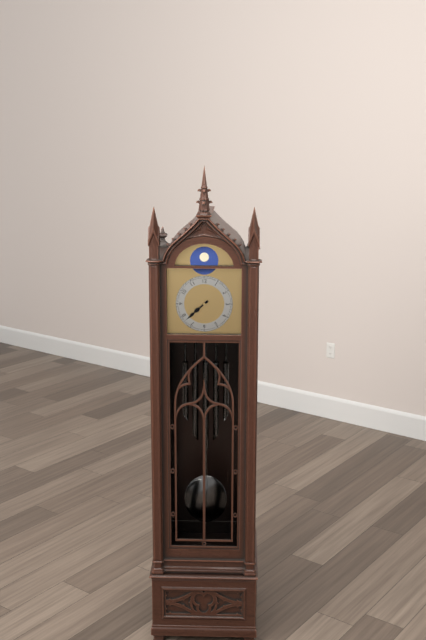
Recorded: 7 h 38 min
